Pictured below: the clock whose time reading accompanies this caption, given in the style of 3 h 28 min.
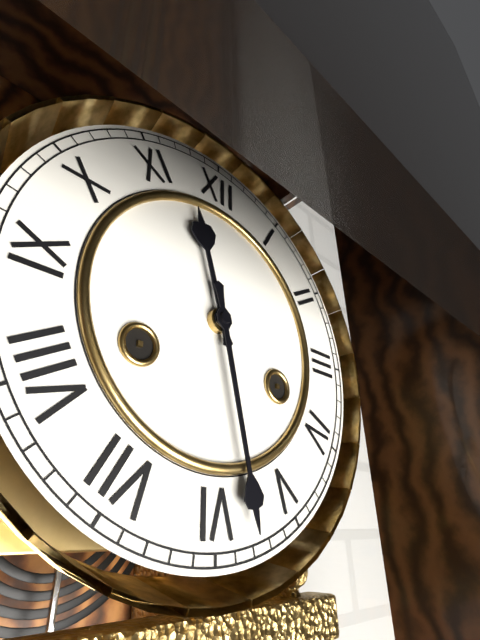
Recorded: 11 h 28 min
